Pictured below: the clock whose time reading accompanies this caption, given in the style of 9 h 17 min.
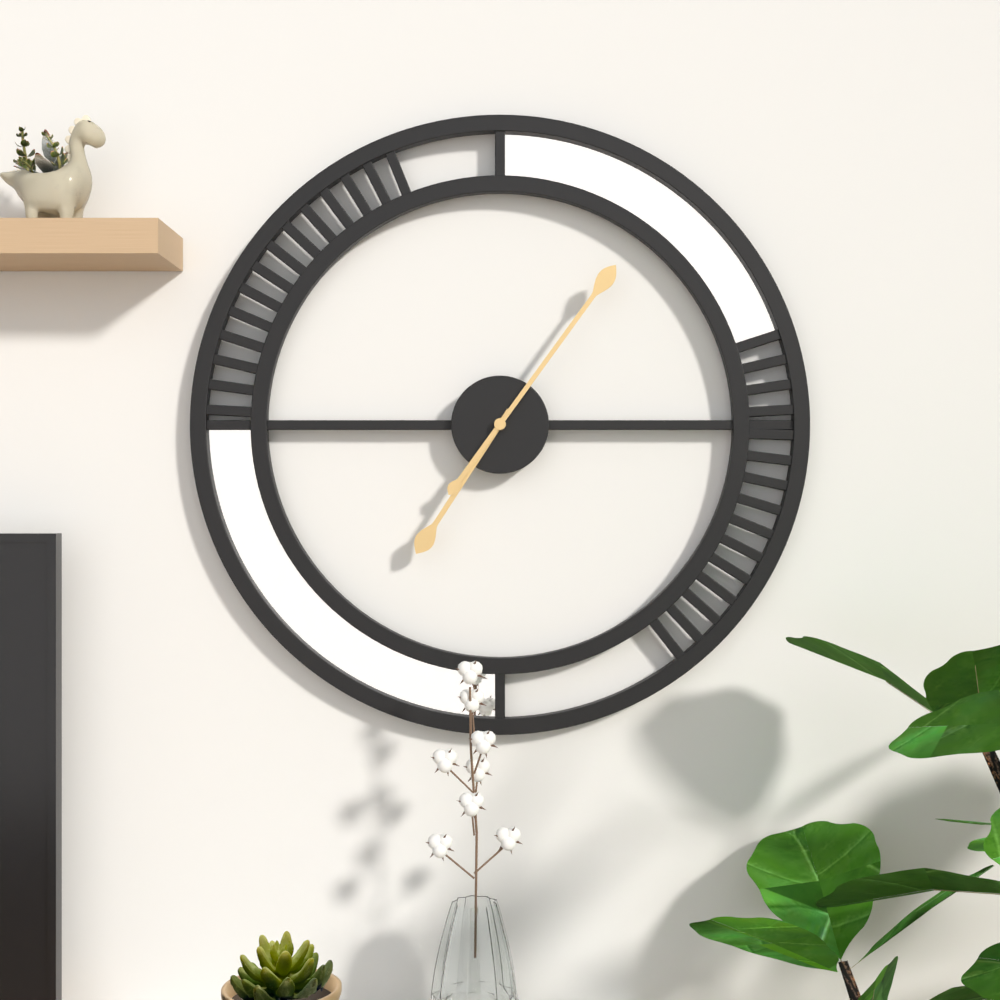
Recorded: 7 h 06 min
